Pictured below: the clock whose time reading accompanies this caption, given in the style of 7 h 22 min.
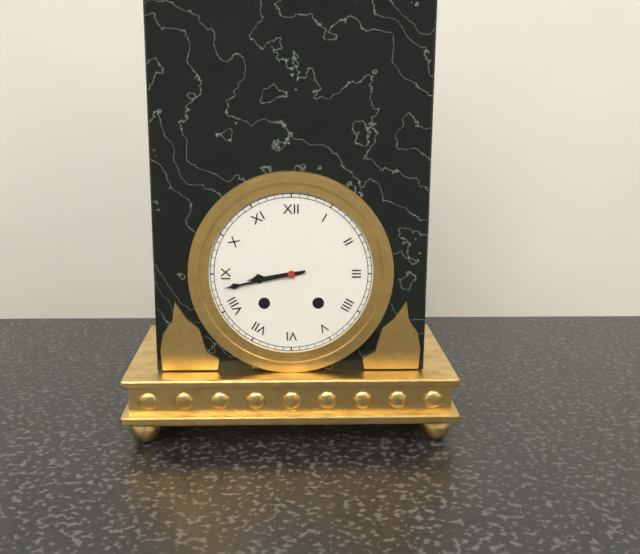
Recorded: 8 h 43 min
